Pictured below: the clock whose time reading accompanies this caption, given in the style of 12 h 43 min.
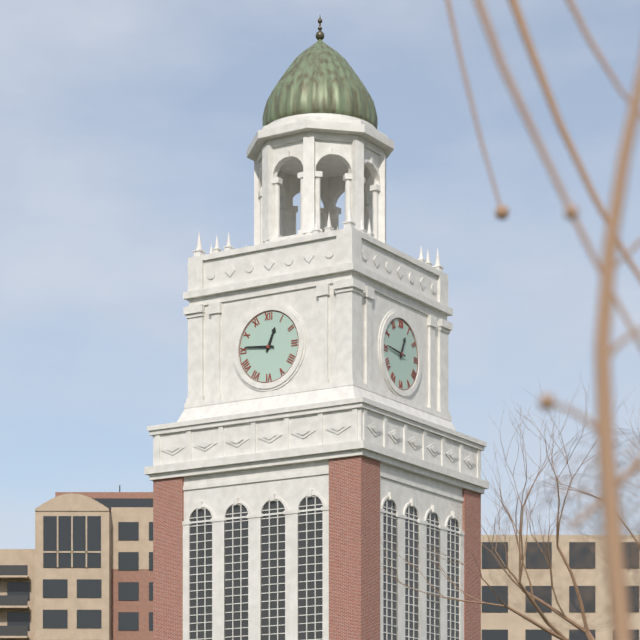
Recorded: 12 h 46 min
